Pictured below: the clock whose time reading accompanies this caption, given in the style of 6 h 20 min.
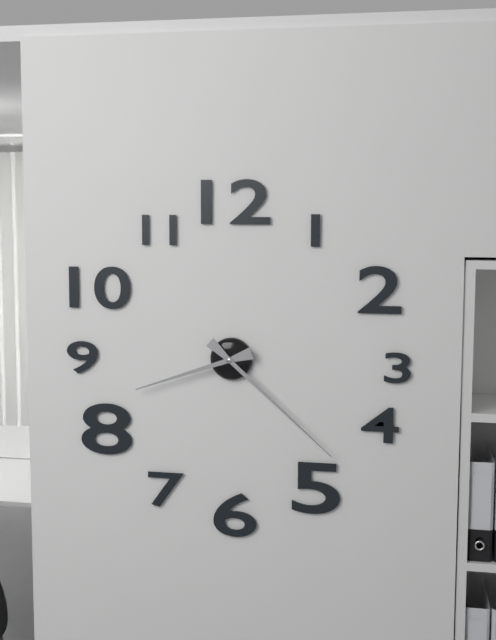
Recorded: 8 h 22 min
